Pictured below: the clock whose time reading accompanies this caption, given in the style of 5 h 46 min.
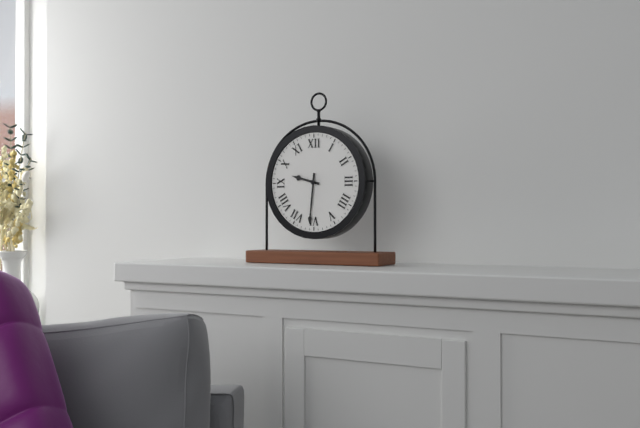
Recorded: 9 h 31 min
